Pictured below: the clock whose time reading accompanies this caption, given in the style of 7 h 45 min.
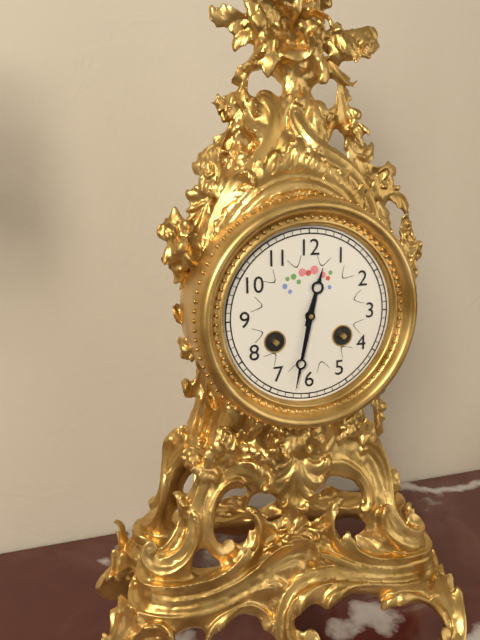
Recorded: 12 h 32 min
